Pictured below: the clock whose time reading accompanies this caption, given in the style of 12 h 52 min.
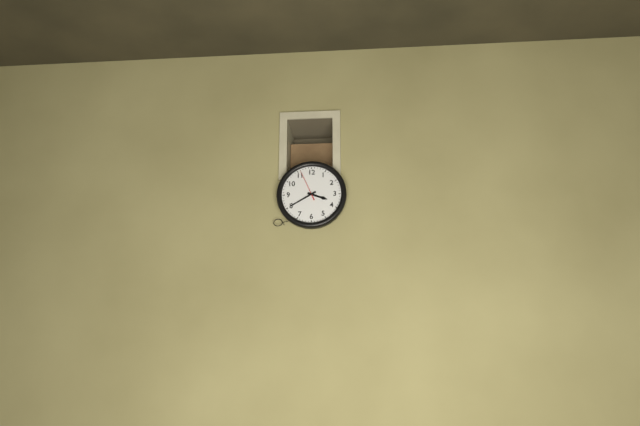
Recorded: 3 h 40 min
